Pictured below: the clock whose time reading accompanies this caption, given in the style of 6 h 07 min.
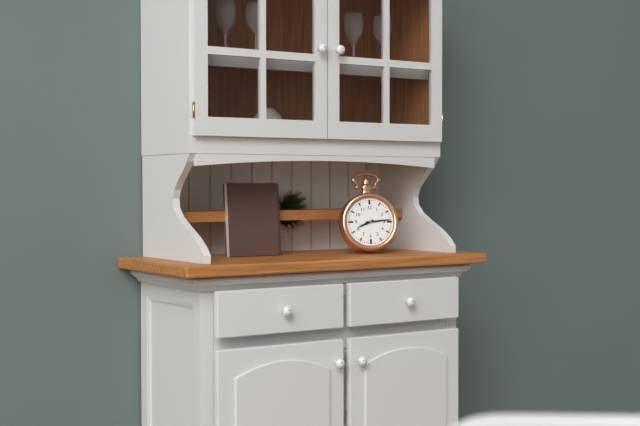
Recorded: 8 h 14 min
